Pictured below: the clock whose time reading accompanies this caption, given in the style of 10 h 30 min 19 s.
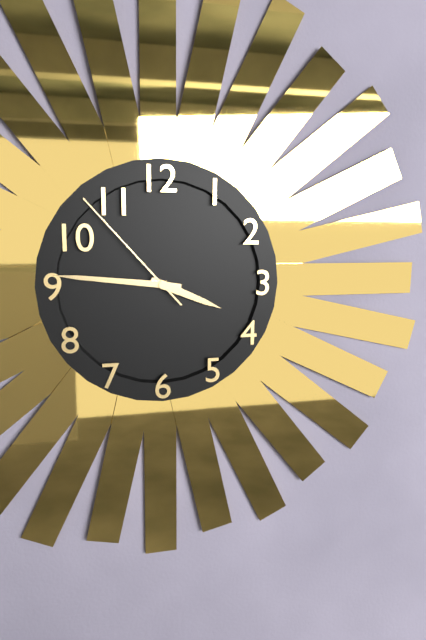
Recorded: 3 h 46 min 53 s
